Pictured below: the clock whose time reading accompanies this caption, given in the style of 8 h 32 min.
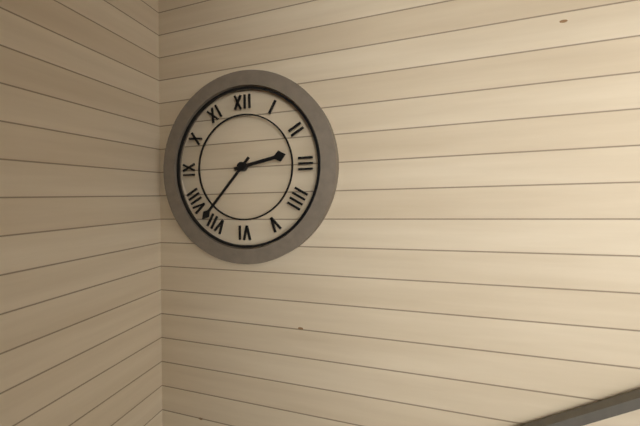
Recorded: 2 h 37 min
